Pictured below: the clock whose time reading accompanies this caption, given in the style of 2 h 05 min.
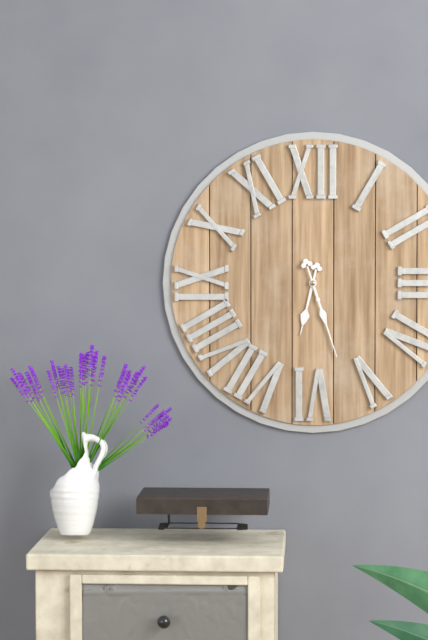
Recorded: 6 h 27 min
